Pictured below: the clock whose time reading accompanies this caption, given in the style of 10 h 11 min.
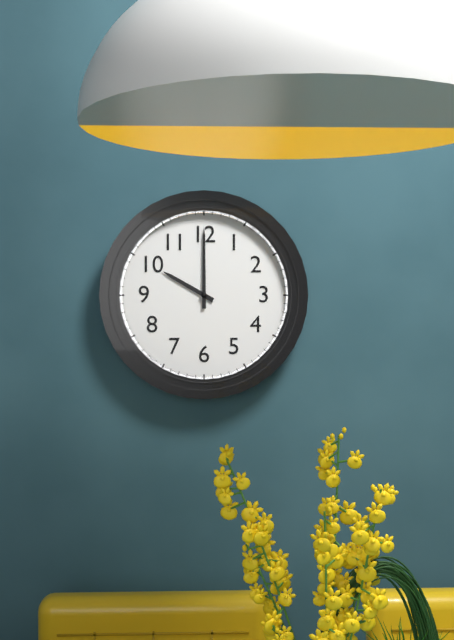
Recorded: 10 h 00 min
